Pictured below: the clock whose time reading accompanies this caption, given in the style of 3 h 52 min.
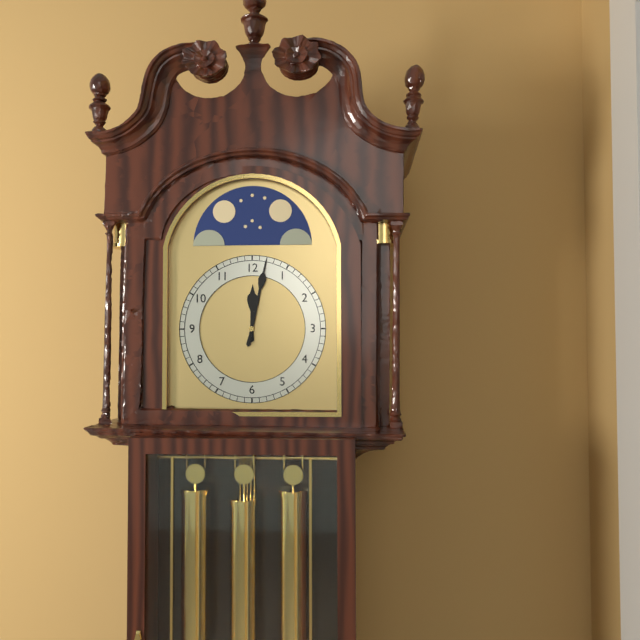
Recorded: 12 h 02 min
